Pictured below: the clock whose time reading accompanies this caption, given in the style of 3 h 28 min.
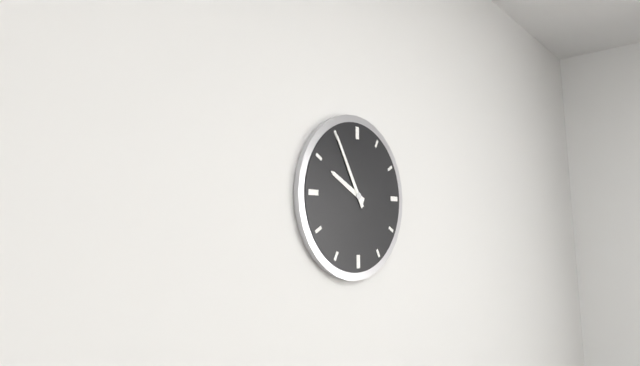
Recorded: 9 h 55 min
